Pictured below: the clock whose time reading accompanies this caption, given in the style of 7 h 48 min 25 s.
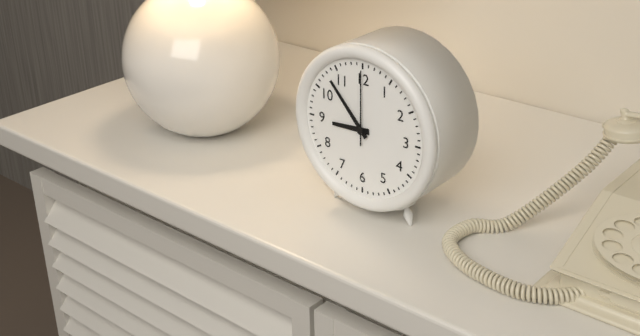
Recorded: 8 h 53 min 00 s
